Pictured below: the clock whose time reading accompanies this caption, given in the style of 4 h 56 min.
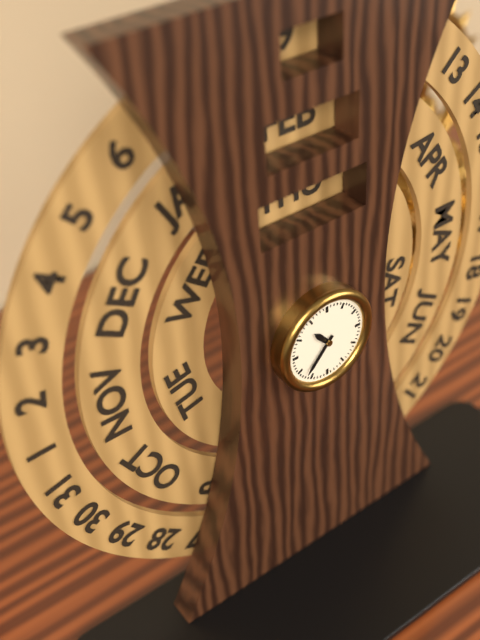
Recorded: 10 h 37 min
